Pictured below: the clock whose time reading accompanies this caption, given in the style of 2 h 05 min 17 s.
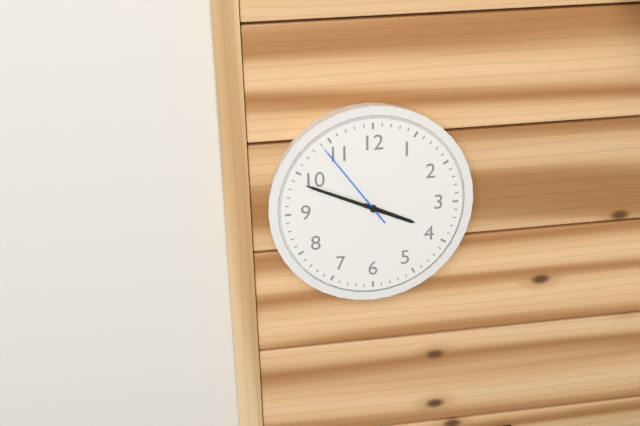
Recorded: 3 h 49 min 54 s
